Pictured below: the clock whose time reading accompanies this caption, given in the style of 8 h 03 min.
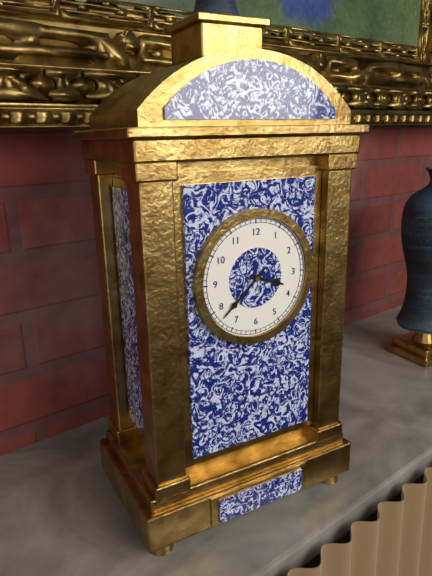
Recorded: 3 h 38 min
